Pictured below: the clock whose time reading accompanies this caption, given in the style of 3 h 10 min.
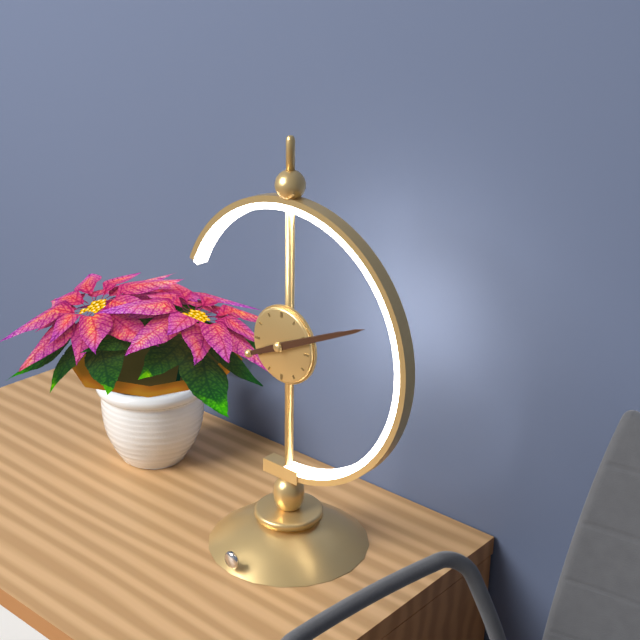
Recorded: 2 h 11 min
